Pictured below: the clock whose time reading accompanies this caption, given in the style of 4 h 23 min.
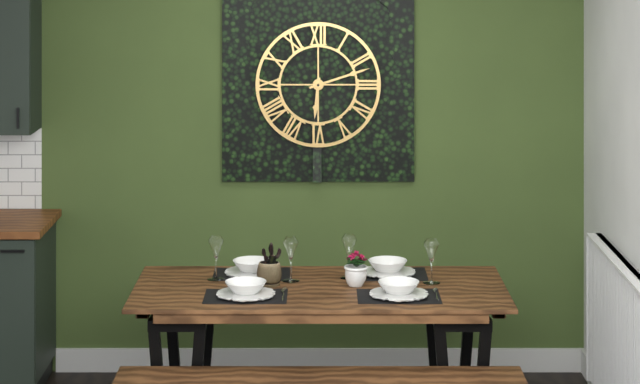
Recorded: 6 h 12 min
